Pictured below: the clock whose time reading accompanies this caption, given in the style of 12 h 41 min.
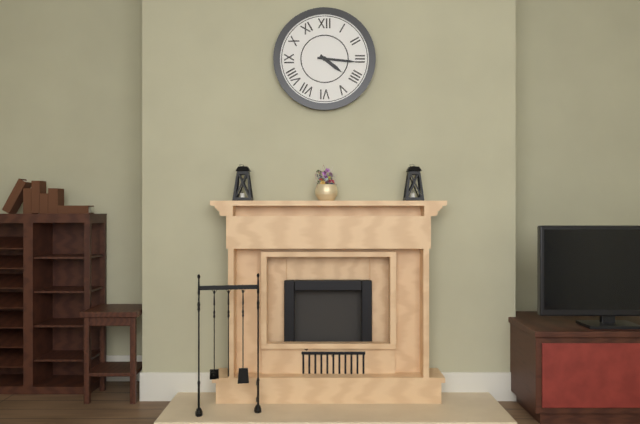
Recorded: 4 h 16 min
